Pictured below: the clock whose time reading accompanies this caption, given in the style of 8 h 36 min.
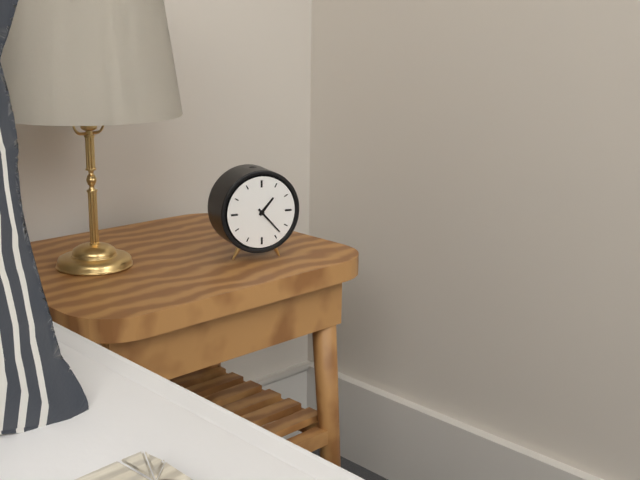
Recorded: 1 h 23 min
